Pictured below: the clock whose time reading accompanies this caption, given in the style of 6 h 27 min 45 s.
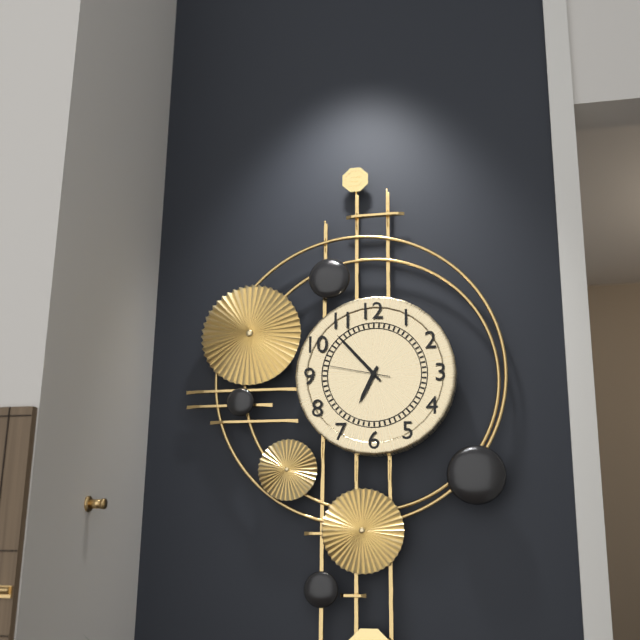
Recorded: 6 h 53 min 47 s
